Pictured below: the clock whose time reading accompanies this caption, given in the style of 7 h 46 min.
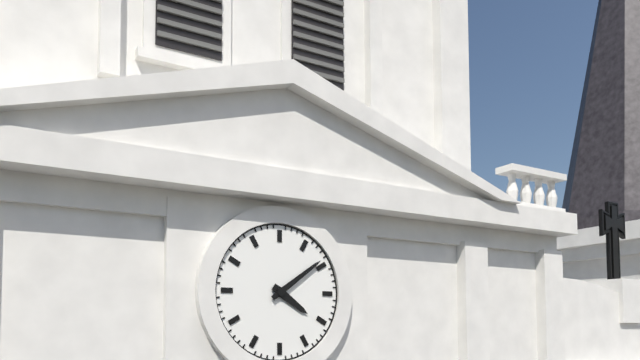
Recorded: 4 h 09 min
